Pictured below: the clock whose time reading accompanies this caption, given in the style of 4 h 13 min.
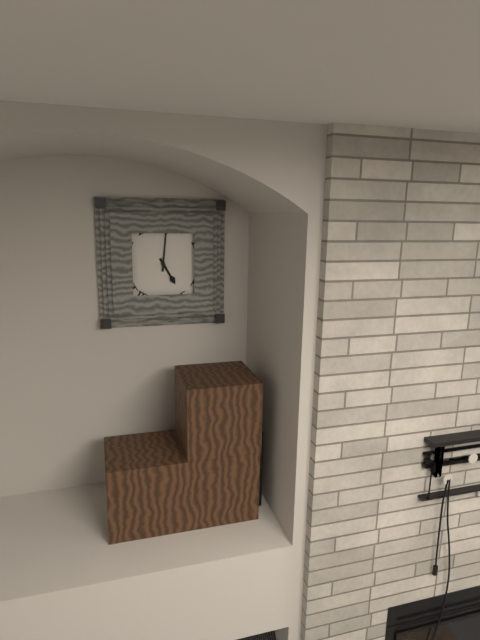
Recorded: 5 h 01 min
